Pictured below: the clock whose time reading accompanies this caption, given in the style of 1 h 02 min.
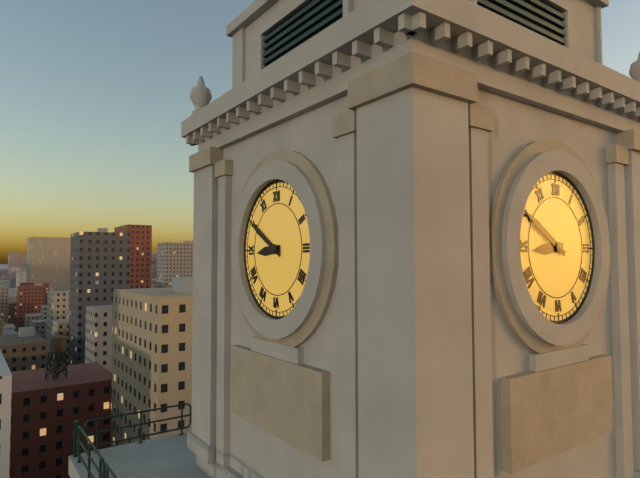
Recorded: 8 h 50 min
